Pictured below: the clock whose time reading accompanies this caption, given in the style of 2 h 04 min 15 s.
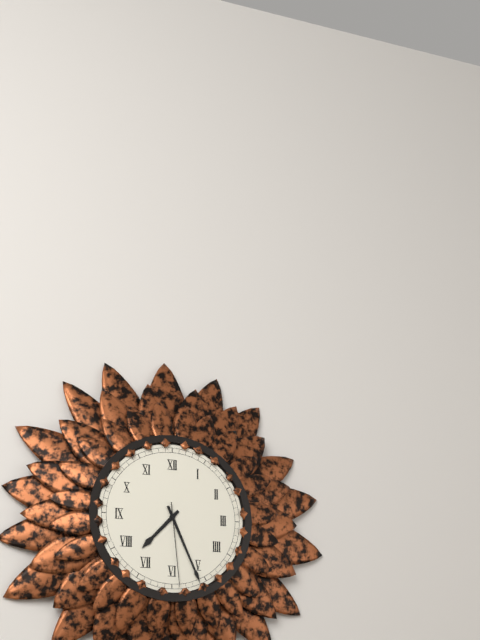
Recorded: 7 h 26 min 29 s
